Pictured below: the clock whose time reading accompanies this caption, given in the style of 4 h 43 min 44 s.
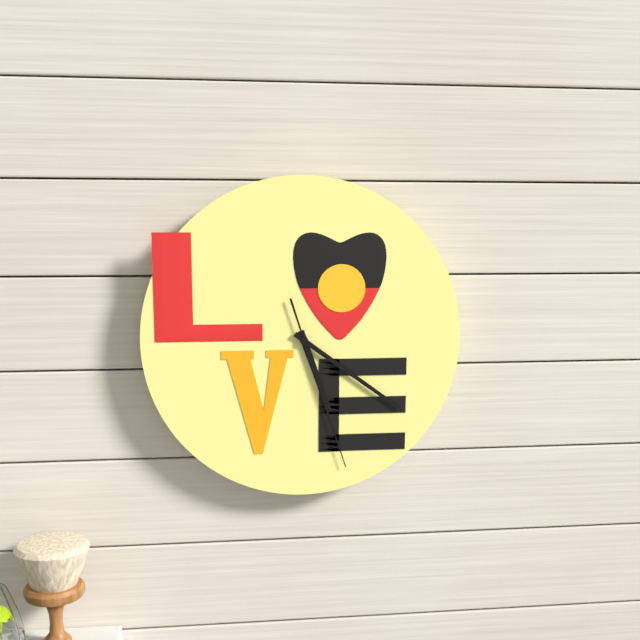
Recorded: 5 h 21 min 27 s
